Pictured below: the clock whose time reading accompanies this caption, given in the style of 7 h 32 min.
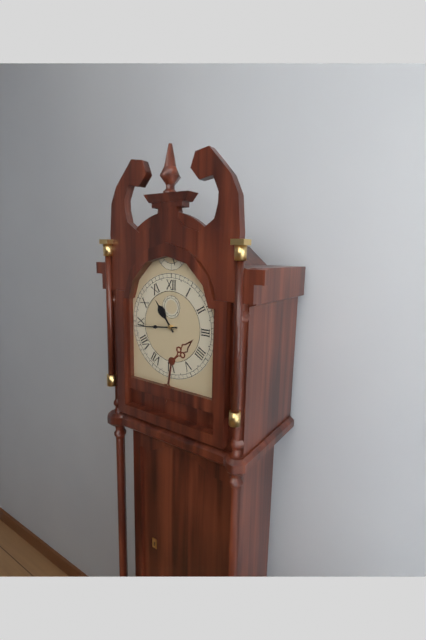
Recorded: 10 h 44 min
